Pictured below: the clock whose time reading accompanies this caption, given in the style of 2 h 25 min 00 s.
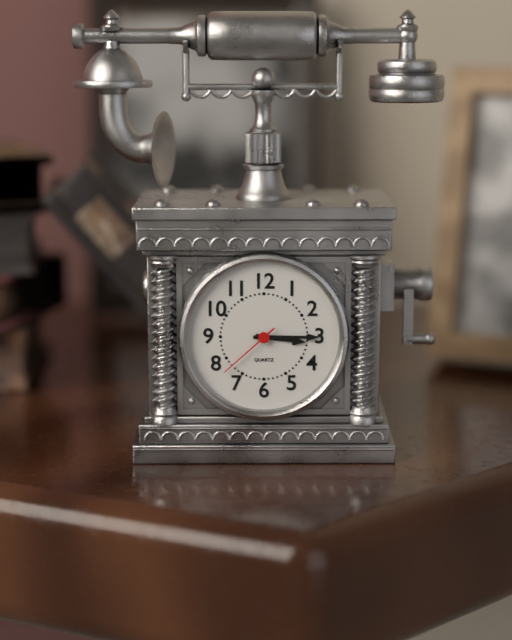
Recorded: 3 h 15 min 38 s
